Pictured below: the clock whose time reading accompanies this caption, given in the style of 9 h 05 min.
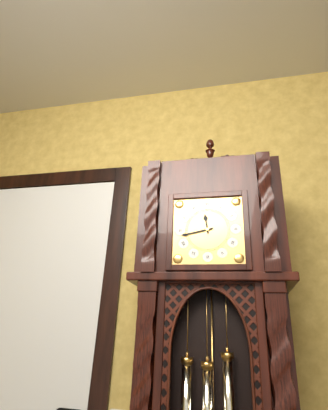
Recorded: 11 h 43 min
